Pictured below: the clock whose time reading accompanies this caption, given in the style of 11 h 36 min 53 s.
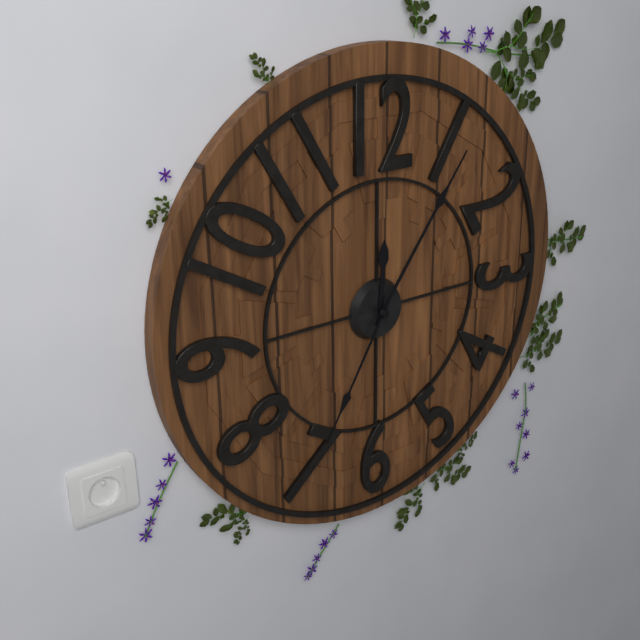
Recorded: 12 h 06 min 35 s
